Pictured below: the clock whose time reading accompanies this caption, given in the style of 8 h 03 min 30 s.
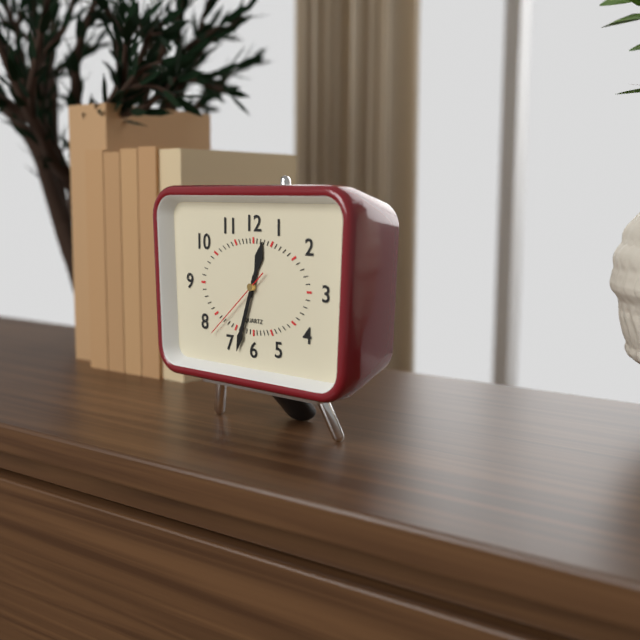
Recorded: 12 h 33 min 38 s
